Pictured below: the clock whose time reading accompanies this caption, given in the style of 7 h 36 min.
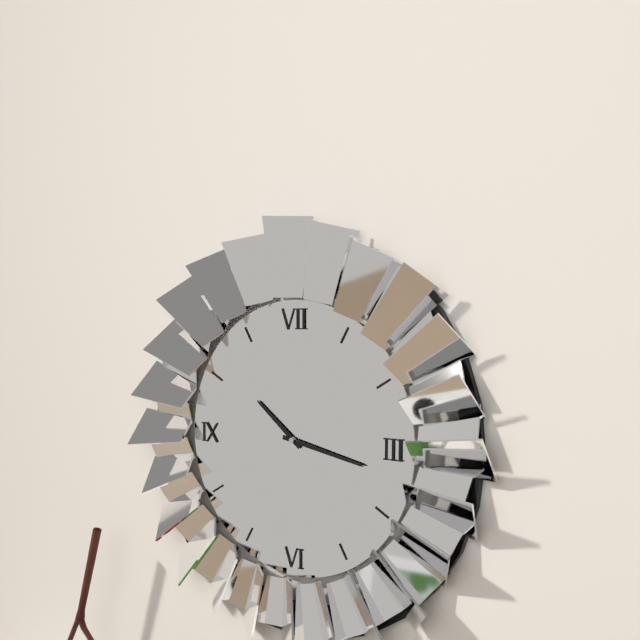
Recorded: 10 h 17 min
